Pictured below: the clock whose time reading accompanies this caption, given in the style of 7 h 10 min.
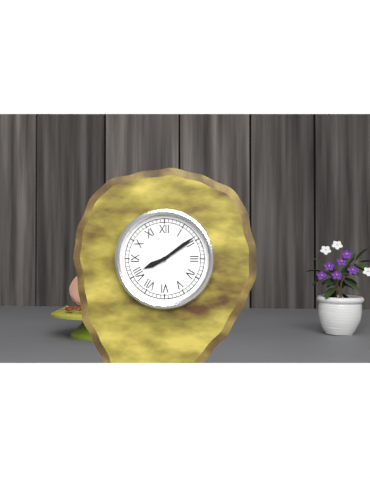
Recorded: 8 h 09 min
